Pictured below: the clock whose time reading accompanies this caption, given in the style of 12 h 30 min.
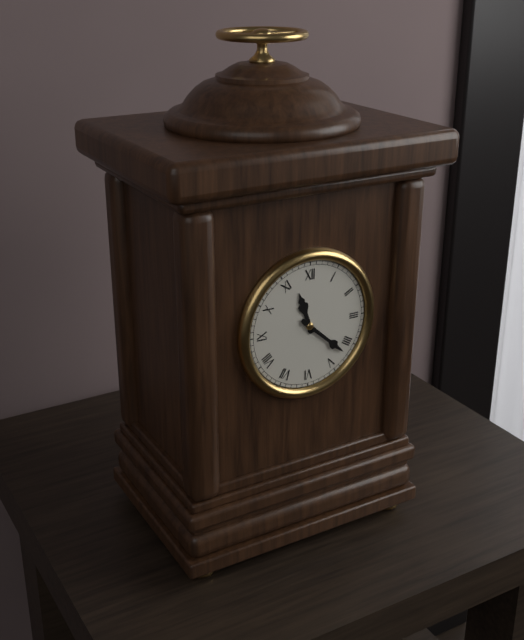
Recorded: 11 h 22 min
